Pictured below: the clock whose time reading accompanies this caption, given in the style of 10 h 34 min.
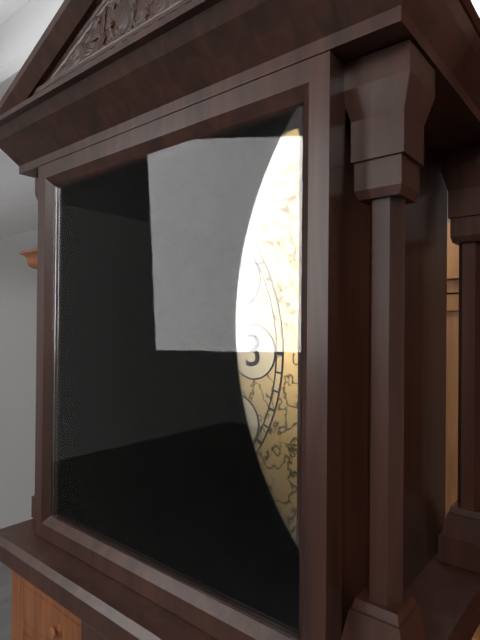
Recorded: 12 h 30 min
